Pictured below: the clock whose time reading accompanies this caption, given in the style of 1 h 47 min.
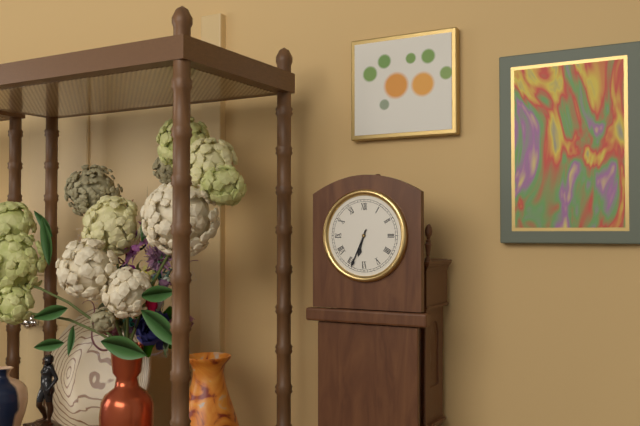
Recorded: 6 h 34 min
